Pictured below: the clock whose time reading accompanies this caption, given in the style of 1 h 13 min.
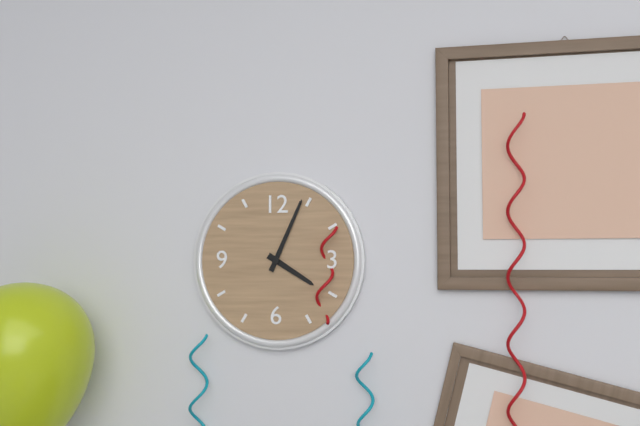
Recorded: 4 h 04 min
